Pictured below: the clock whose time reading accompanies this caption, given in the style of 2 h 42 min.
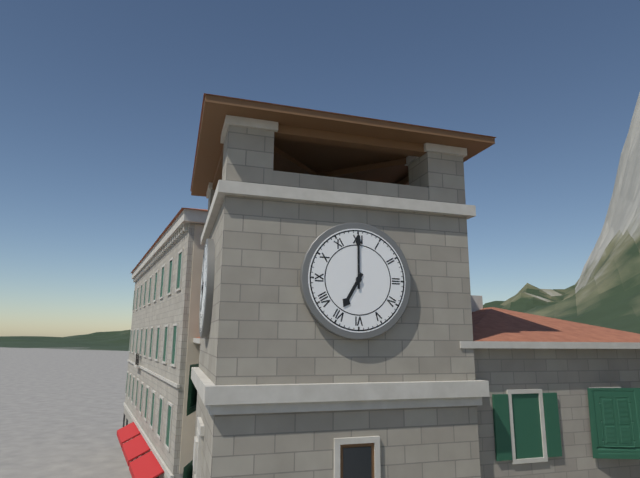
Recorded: 7 h 00 min
